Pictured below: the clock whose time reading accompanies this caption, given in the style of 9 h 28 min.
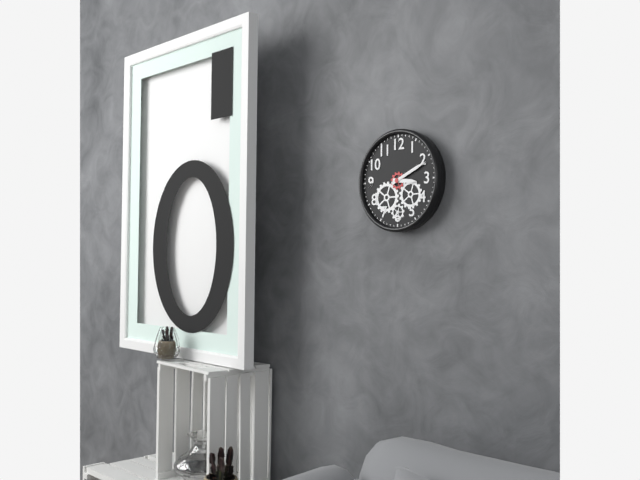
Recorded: 3 h 11 min
